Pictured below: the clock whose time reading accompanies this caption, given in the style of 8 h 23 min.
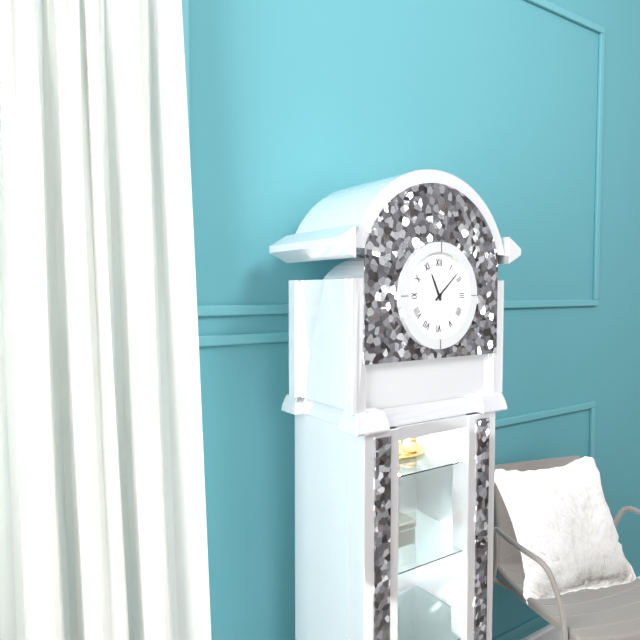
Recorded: 11 h 08 min
